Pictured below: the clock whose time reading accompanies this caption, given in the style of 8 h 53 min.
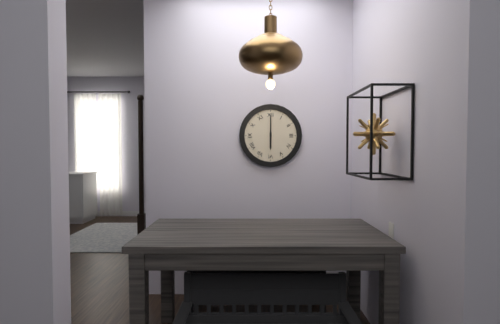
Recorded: 6 h 00 min
